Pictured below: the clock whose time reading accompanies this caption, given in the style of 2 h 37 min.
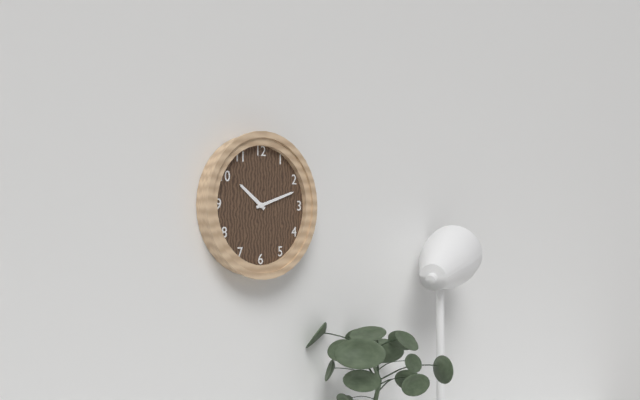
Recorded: 10 h 12 min
